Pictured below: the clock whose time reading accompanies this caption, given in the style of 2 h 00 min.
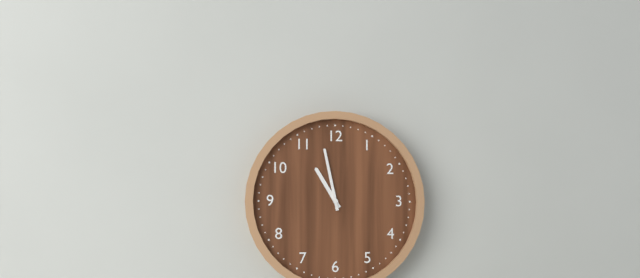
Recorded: 10 h 58 min
